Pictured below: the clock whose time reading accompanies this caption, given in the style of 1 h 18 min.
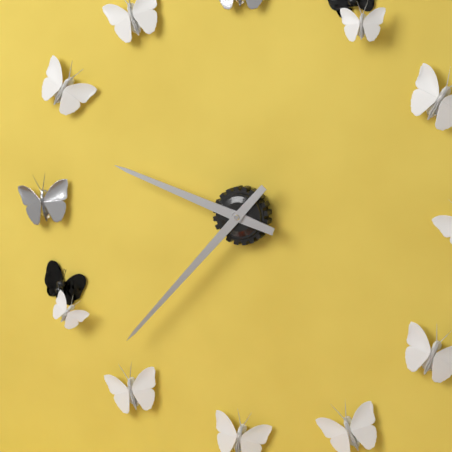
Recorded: 9 h 37 min
